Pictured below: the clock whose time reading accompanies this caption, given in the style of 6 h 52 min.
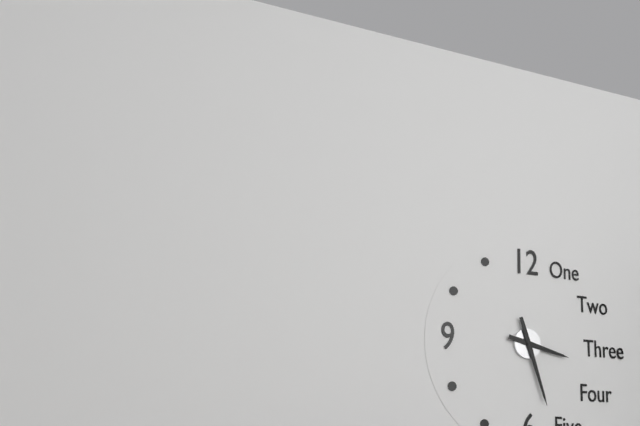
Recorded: 3 h 27 min
